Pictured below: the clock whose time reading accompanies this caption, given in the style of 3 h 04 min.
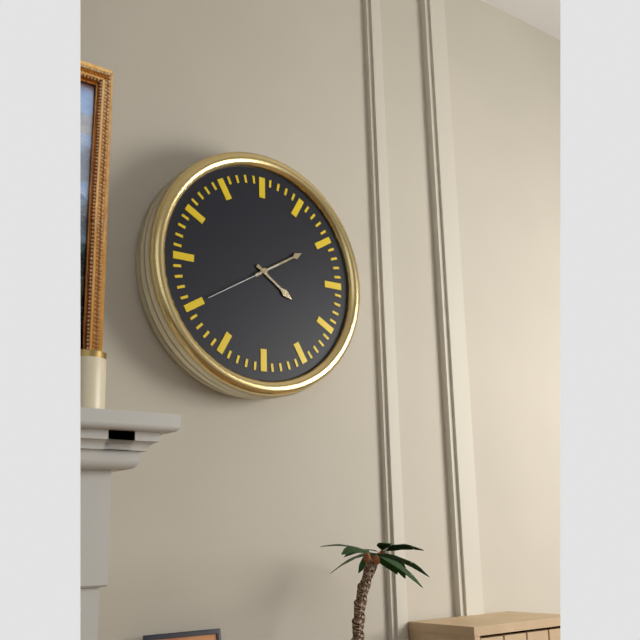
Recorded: 4 h 10 min
